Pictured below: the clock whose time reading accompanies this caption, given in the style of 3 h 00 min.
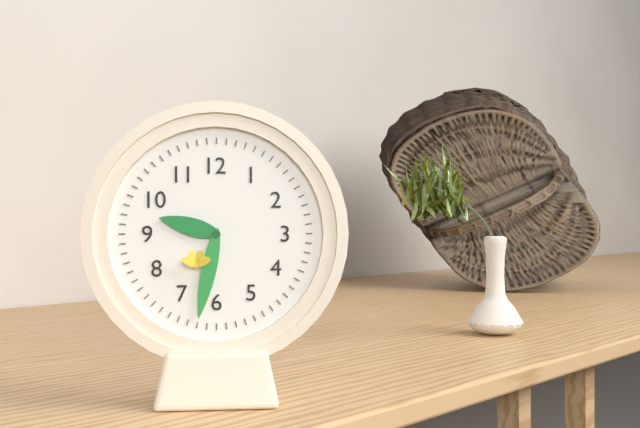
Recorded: 9 h 32 min
